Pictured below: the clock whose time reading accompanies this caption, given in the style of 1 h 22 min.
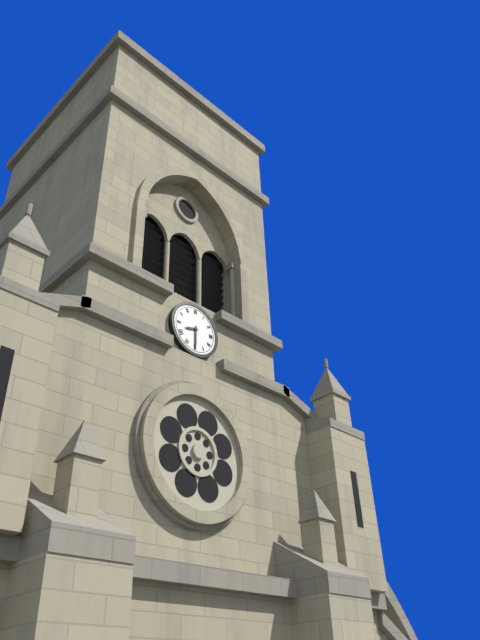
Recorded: 8 h 30 min
